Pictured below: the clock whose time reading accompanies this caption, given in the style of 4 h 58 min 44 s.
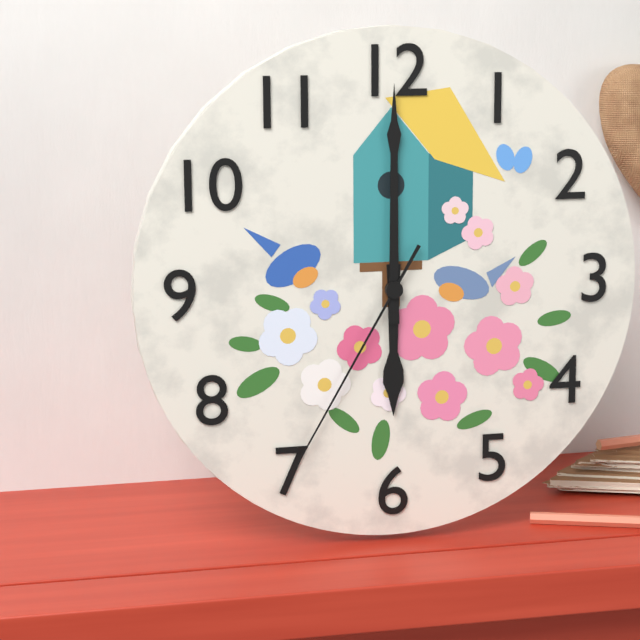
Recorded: 6 h 00 min 35 s
